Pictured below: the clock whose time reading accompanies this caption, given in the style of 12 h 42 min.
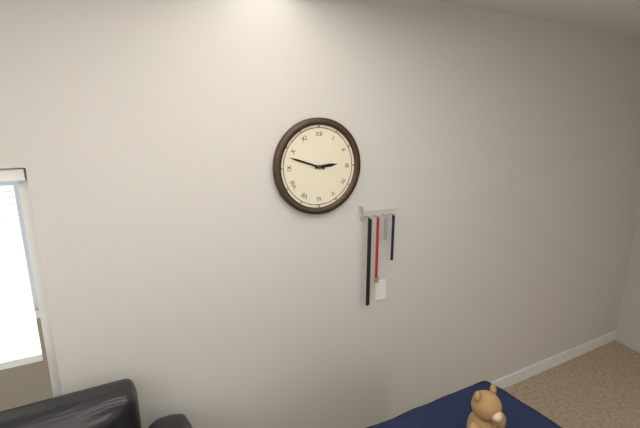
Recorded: 2 h 48 min
